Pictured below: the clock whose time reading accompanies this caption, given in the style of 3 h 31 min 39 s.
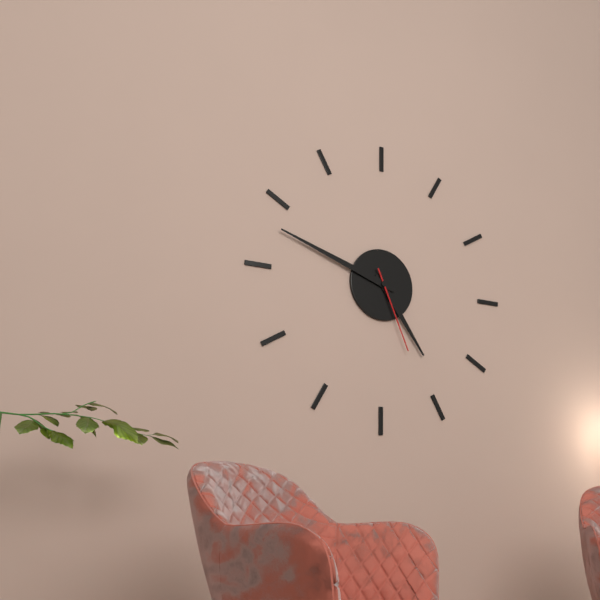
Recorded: 4 h 48 min 26 s
